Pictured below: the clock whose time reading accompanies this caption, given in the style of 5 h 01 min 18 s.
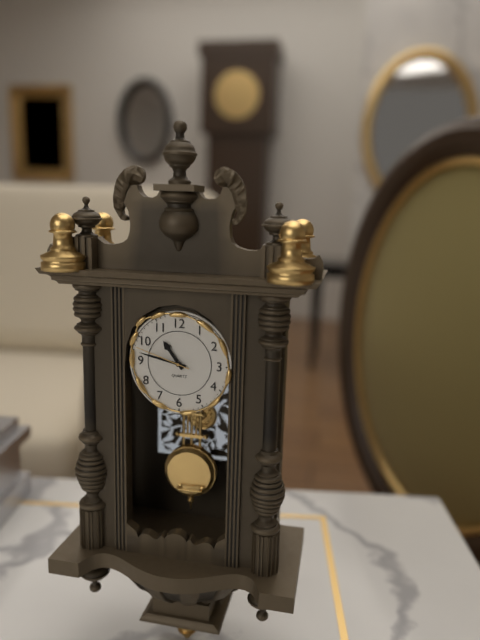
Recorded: 10 h 47 min 48 s
